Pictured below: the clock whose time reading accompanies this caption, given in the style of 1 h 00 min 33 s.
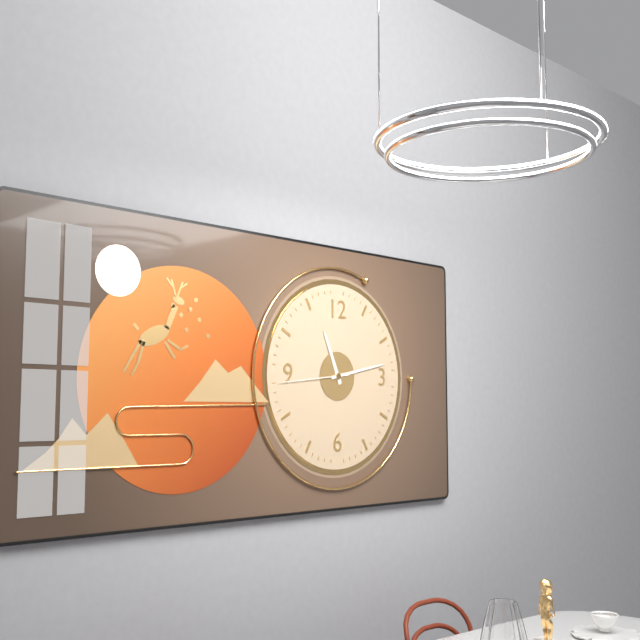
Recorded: 11 h 13 min 44 s
